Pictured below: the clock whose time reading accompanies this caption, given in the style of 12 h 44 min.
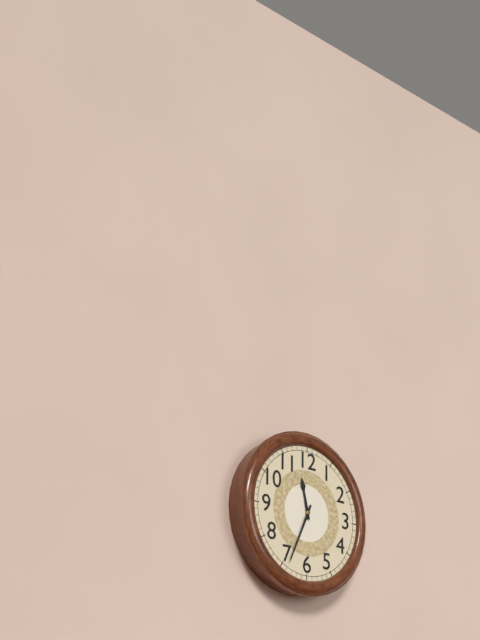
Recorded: 11 h 34 min
